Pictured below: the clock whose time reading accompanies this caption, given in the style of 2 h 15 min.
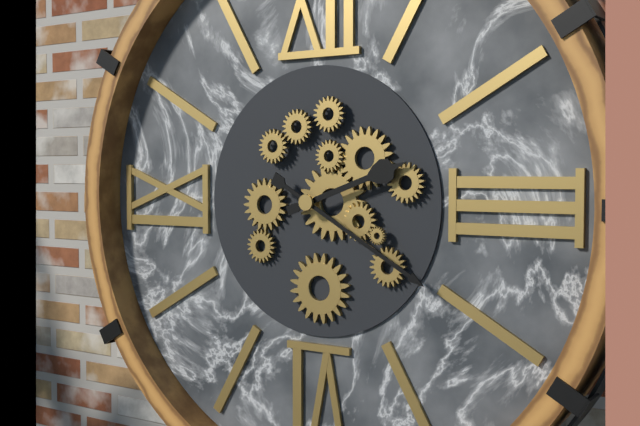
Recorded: 2 h 20 min
